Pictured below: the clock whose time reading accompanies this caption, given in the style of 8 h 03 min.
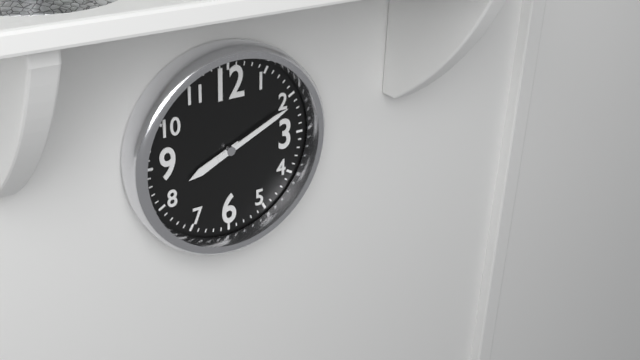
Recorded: 8 h 11 min
